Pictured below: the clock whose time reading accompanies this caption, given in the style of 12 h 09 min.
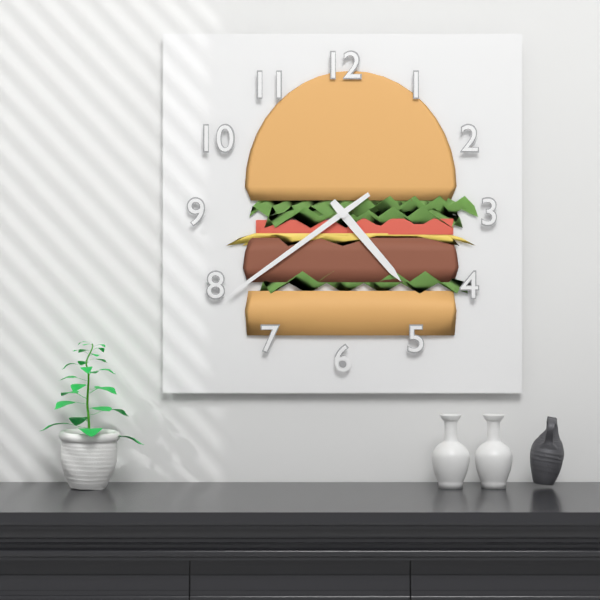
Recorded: 4 h 39 min
